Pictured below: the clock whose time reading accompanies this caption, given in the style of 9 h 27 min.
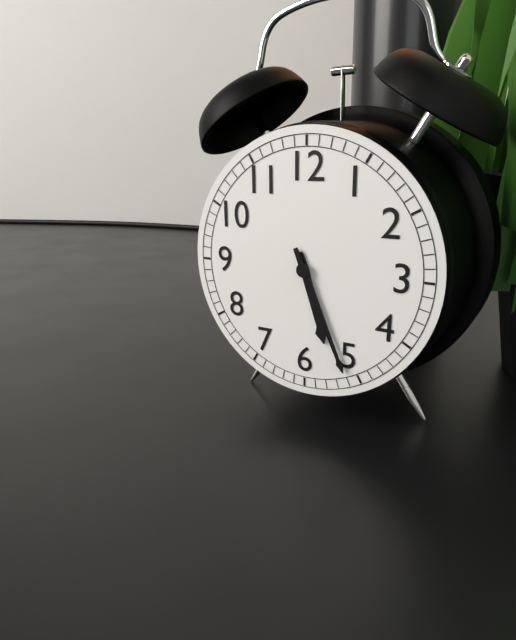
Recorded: 5 h 26 min
